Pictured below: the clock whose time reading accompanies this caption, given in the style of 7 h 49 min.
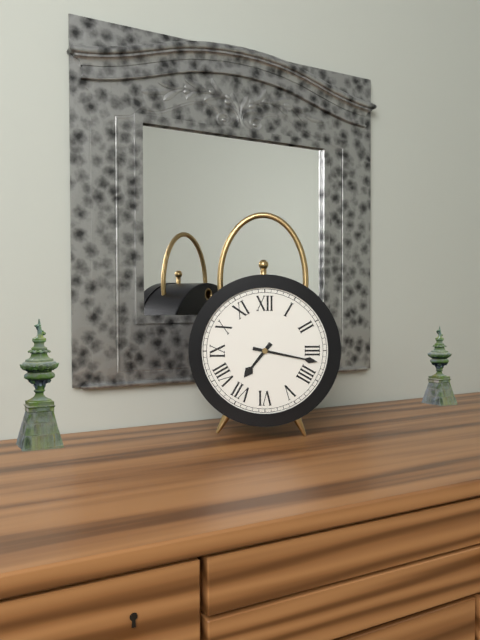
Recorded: 7 h 17 min
